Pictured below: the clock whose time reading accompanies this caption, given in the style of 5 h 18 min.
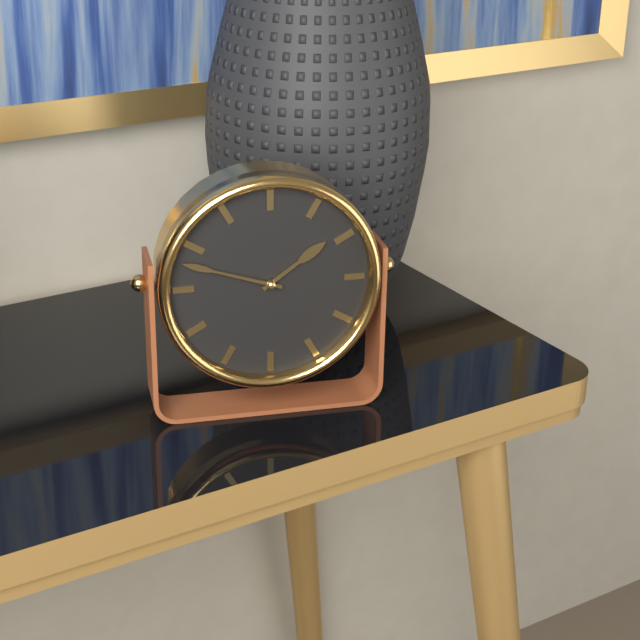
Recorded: 1 h 48 min
